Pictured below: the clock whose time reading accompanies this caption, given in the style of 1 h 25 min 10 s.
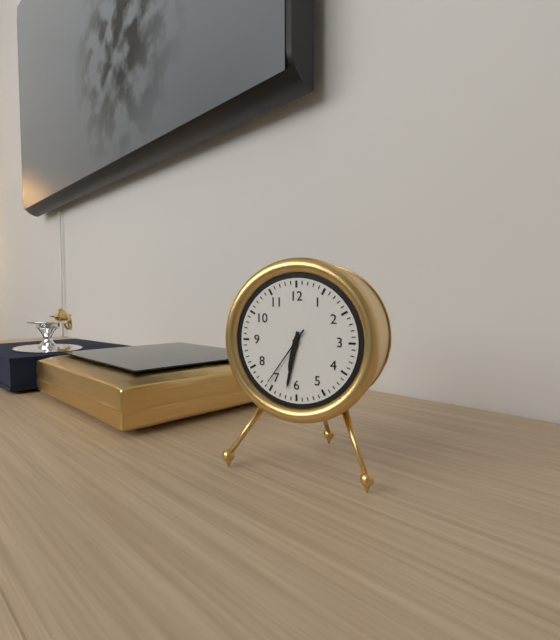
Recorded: 6 h 32 min 36 s
